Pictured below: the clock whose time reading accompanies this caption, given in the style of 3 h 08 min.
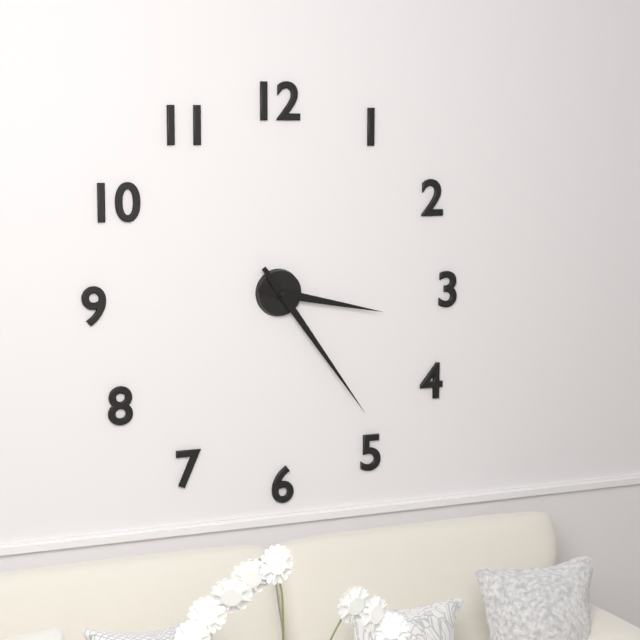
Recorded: 3 h 24 min
